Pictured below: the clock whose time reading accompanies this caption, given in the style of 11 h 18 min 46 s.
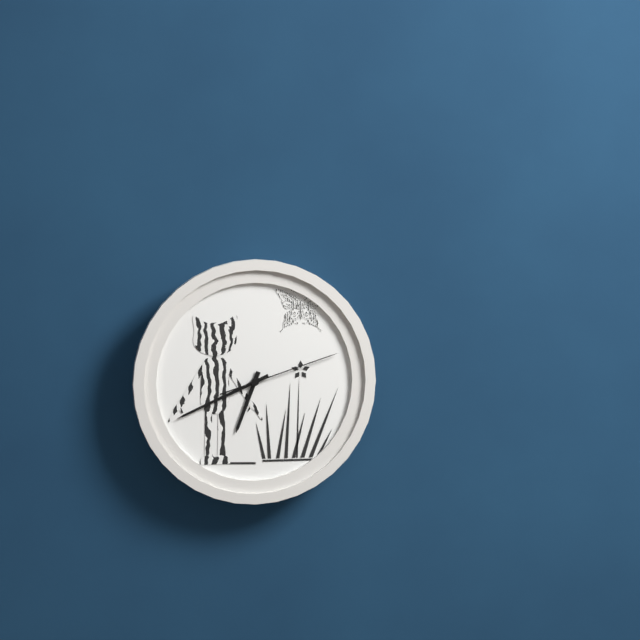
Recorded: 6 h 41 min 12 s
